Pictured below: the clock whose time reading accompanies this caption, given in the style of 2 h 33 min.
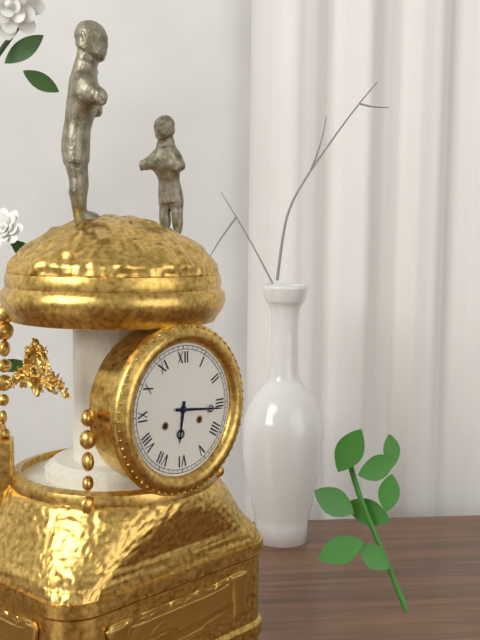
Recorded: 6 h 16 min
